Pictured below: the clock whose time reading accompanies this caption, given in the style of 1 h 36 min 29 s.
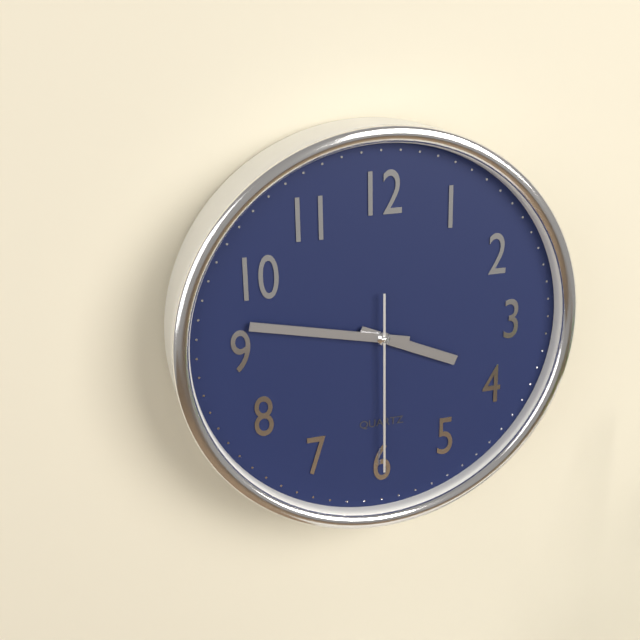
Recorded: 3 h 47 min 30 s
